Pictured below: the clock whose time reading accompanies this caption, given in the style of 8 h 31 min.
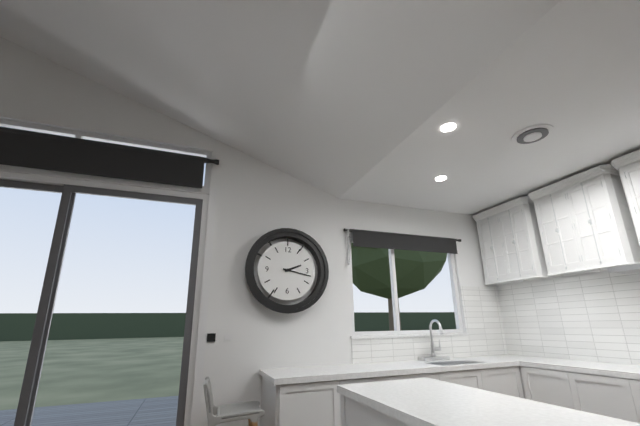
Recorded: 2 h 17 min
